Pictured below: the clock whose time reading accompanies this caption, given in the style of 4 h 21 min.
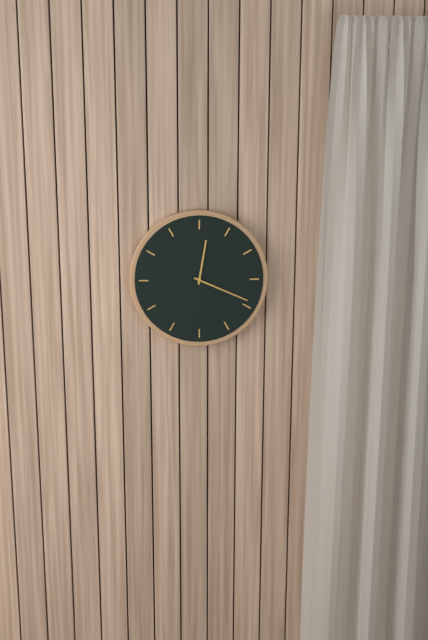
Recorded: 12 h 19 min
